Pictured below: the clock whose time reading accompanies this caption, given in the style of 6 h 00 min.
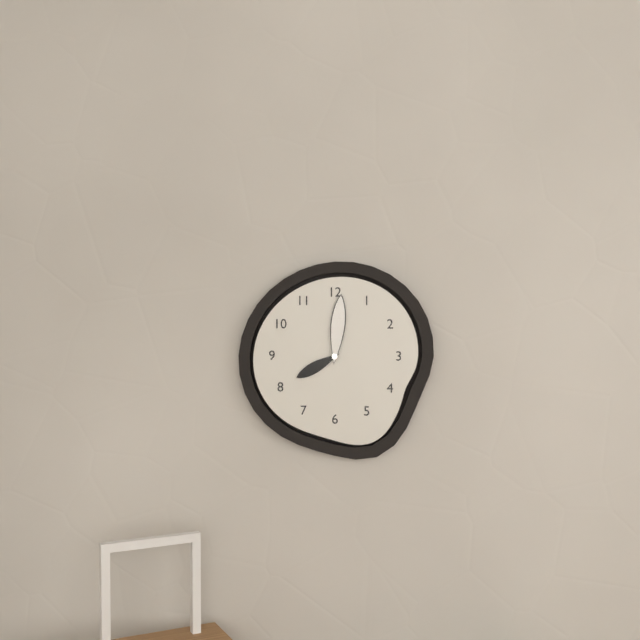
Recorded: 8 h 01 min
